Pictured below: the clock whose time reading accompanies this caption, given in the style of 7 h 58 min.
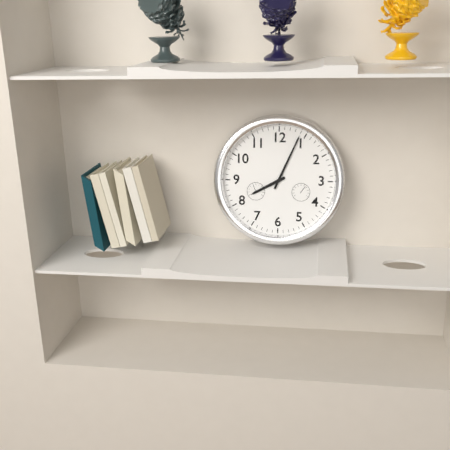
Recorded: 8 h 04 min
